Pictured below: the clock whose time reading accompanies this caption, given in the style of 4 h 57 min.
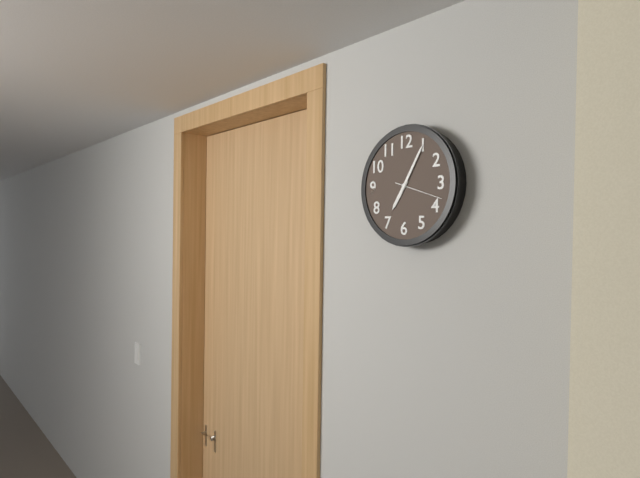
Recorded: 7 h 05 min
